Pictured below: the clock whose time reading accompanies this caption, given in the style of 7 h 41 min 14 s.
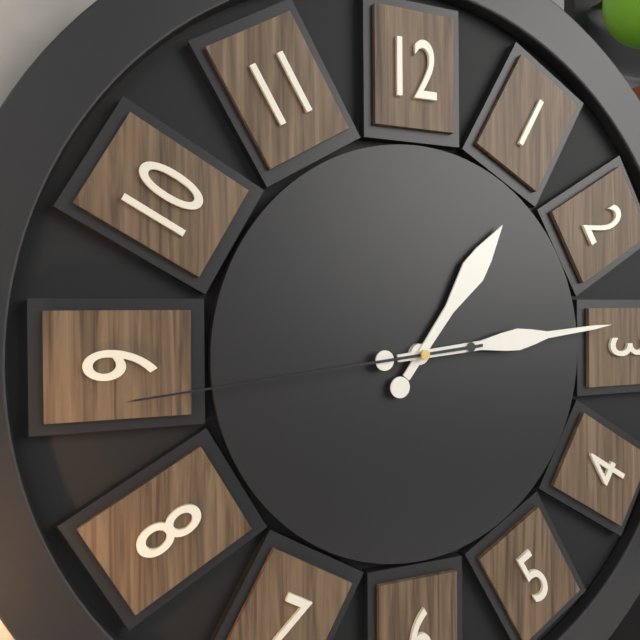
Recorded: 1 h 14 min 44 s
